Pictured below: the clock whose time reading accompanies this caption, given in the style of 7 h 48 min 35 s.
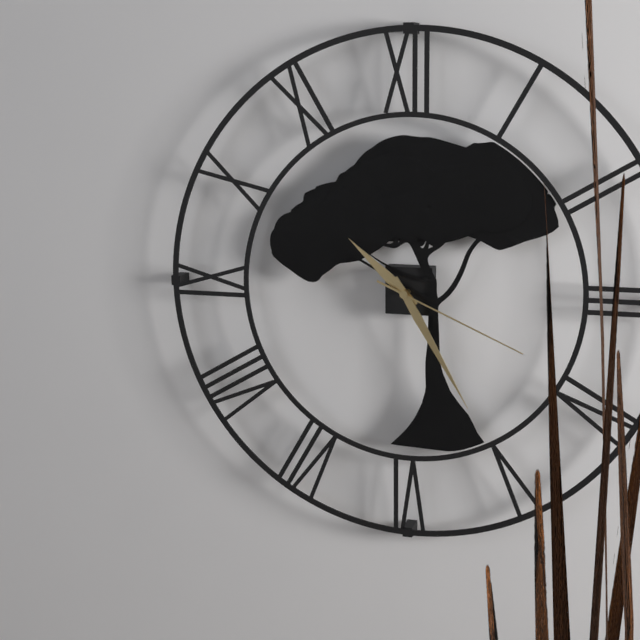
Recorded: 10 h 25 min 19 s
